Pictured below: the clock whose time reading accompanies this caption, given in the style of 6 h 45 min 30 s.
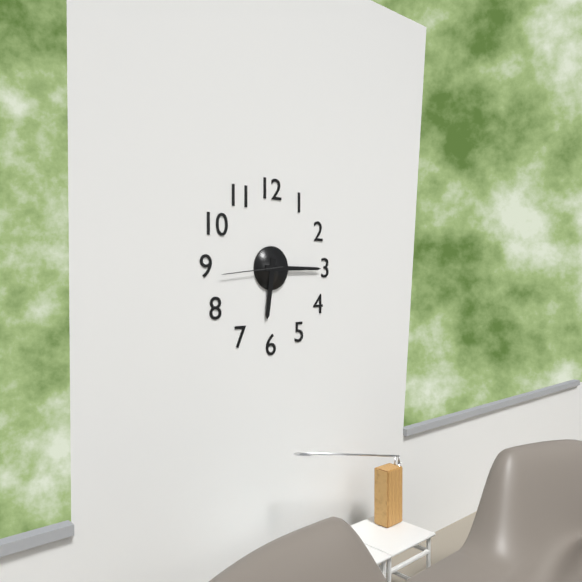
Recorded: 6 h 15 min 44 s
